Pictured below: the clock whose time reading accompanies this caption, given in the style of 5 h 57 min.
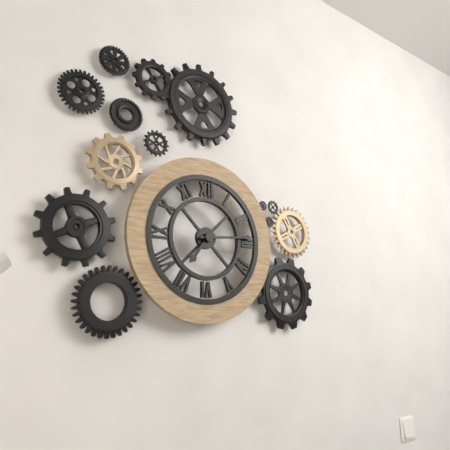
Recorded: 7 h 14 min
